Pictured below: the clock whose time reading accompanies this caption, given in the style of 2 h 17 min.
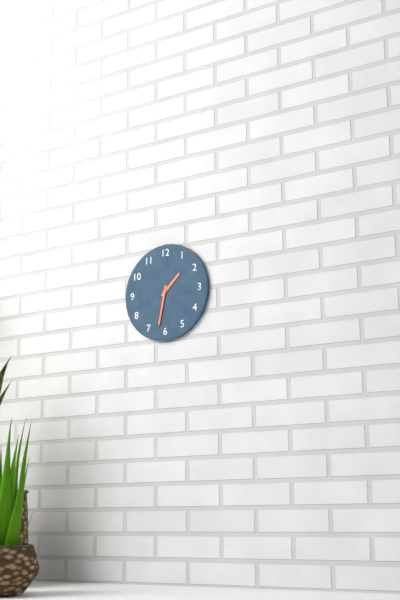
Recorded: 1 h 32 min
